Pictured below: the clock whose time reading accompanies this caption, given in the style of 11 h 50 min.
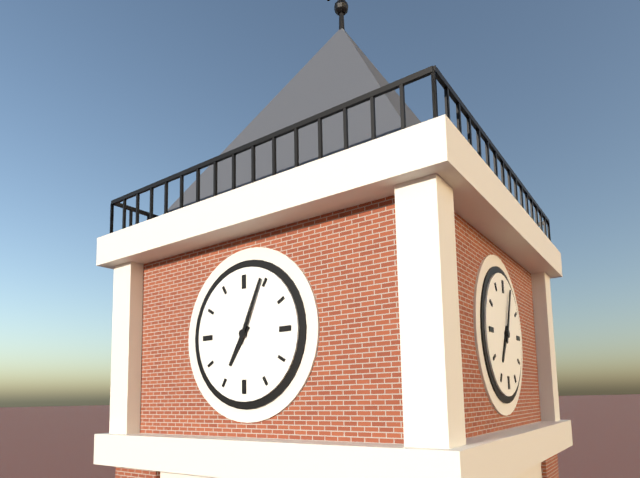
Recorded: 7 h 04 min
